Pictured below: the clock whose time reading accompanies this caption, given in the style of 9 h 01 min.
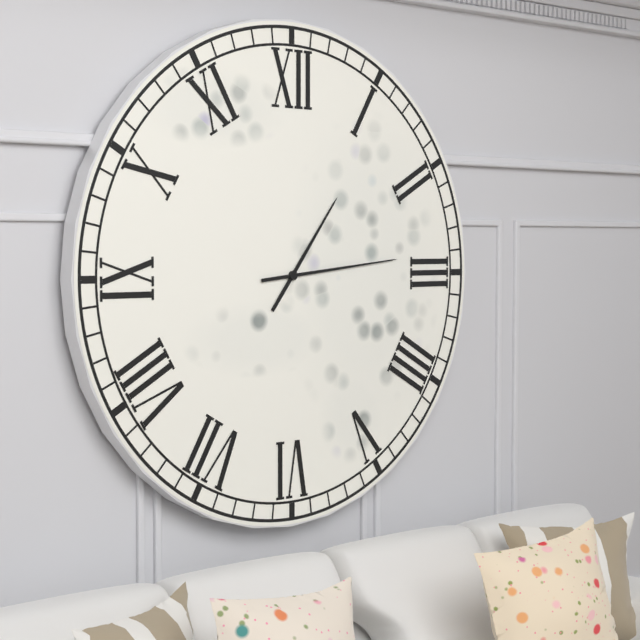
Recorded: 1 h 14 min
